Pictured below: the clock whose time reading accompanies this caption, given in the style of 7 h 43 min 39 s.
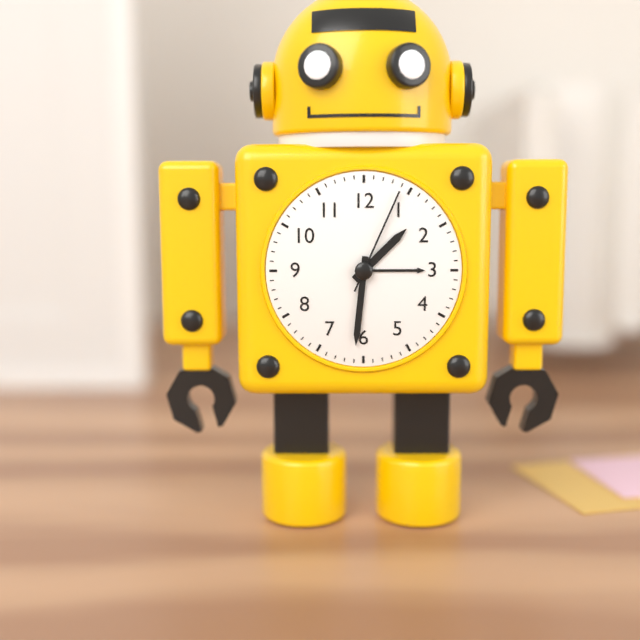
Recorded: 1 h 31 min 04 s
